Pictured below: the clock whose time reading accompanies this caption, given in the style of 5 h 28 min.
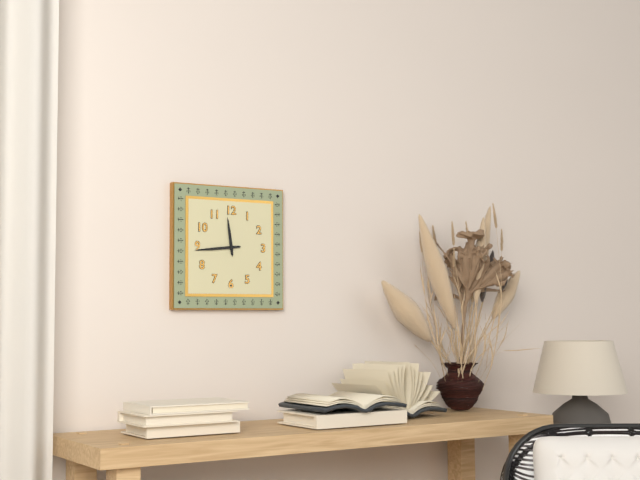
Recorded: 11 h 44 min
